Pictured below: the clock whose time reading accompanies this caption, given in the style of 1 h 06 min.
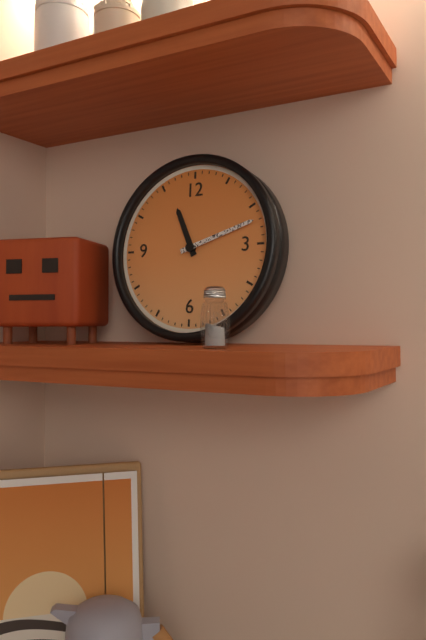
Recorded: 11 h 12 min
